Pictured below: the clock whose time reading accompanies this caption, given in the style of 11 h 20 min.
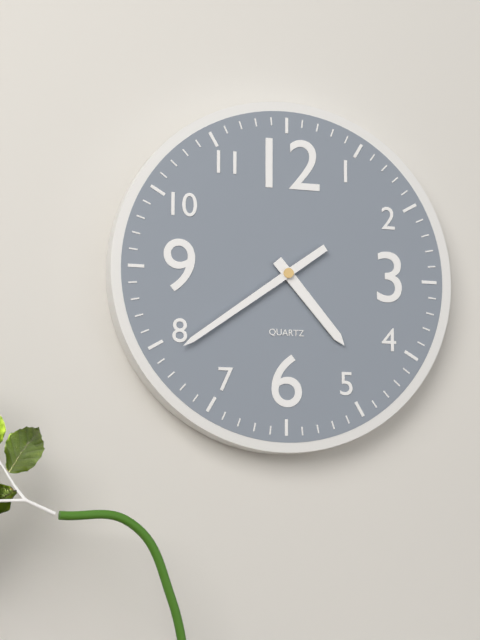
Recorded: 4 h 39 min
